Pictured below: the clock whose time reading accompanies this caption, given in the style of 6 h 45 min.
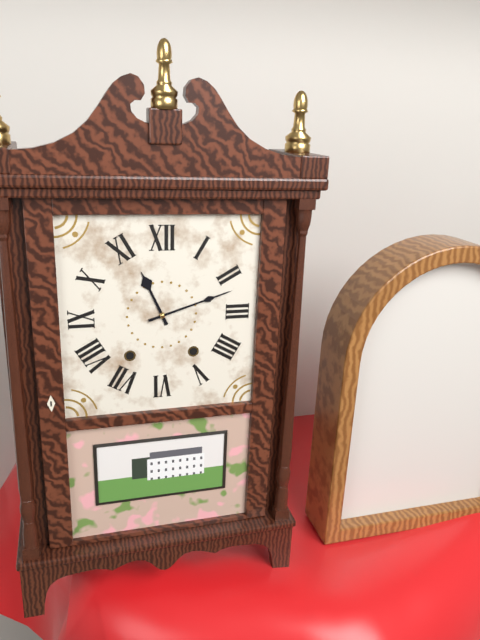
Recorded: 11 h 12 min
